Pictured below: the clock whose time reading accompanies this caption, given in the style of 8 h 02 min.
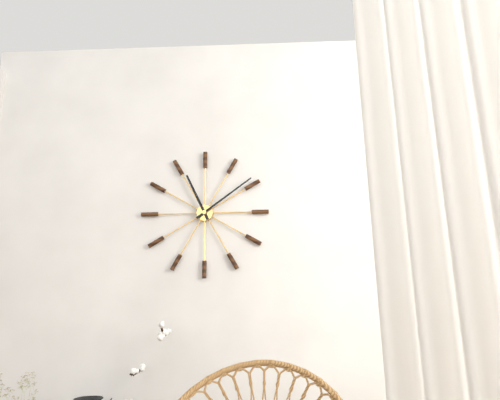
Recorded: 11 h 09 min
